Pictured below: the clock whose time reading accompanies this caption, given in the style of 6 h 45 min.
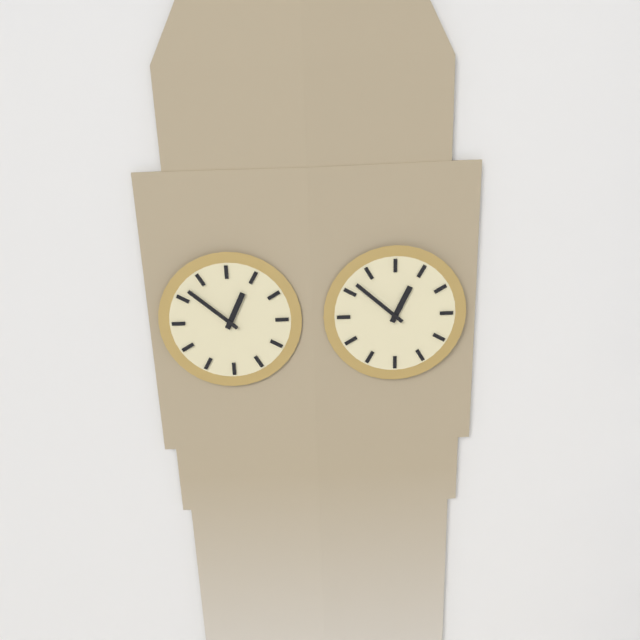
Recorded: 12 h 52 min
